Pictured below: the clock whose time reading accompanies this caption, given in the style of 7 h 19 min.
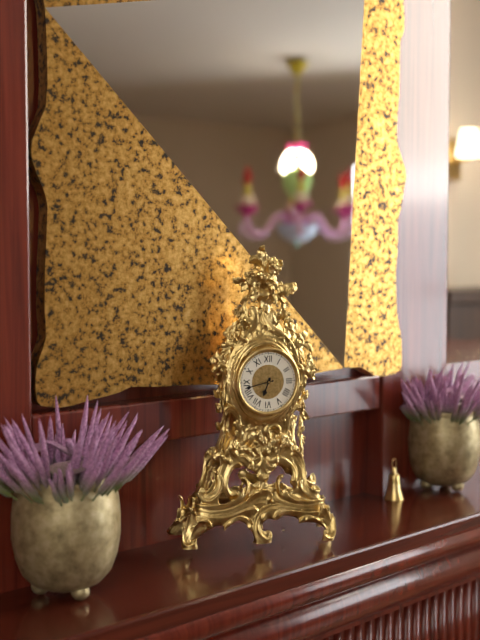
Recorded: 6 h 43 min
